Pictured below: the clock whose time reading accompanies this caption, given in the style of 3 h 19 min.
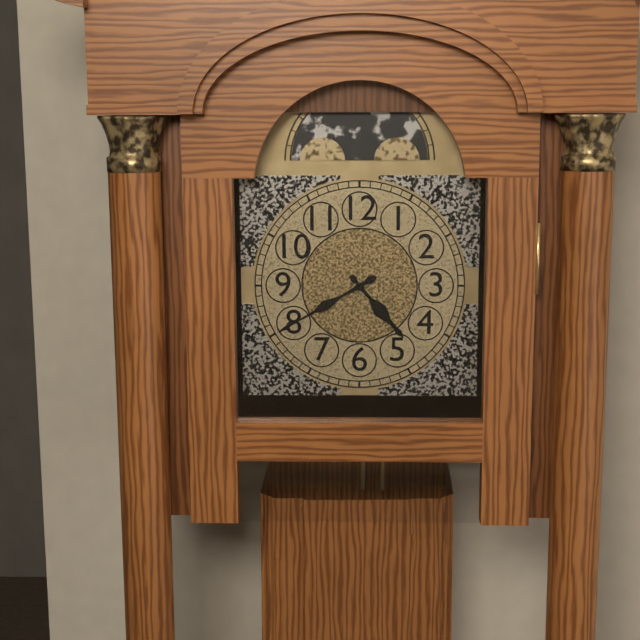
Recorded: 4 h 40 min
